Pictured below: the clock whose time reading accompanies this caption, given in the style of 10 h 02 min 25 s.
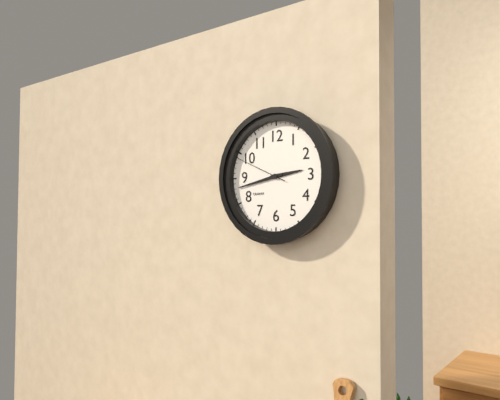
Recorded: 2 h 43 min 49 s
